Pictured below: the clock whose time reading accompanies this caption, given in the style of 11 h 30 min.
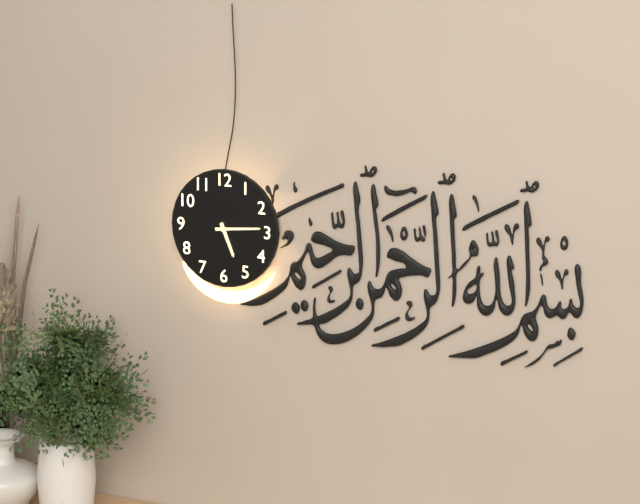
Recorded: 5 h 14 min
